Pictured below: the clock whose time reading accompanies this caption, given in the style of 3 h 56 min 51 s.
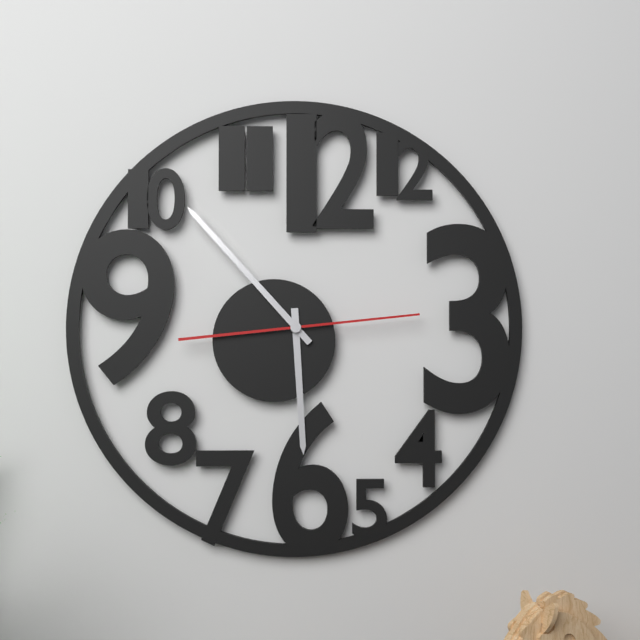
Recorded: 5 h 53 min 14 s
